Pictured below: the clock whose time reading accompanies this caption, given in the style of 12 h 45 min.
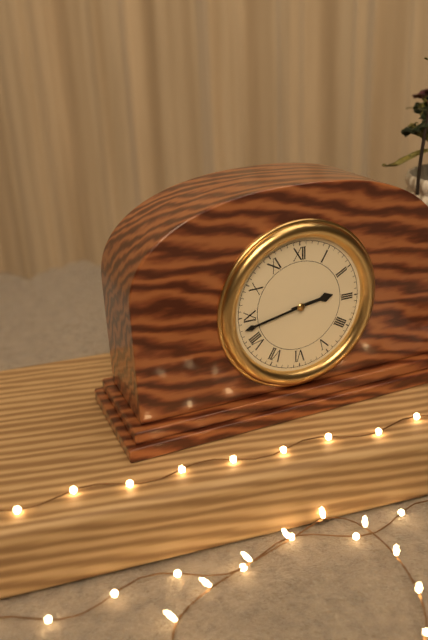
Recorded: 2 h 43 min
